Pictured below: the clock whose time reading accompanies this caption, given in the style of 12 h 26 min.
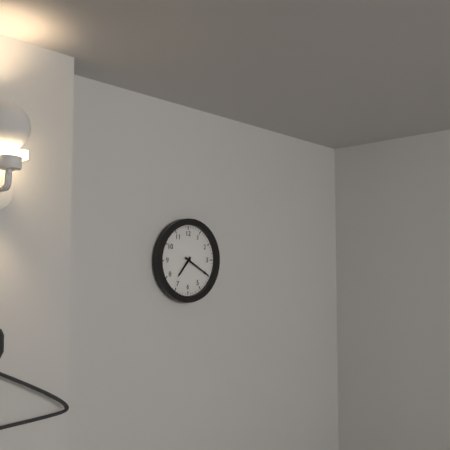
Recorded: 7 h 20 min
